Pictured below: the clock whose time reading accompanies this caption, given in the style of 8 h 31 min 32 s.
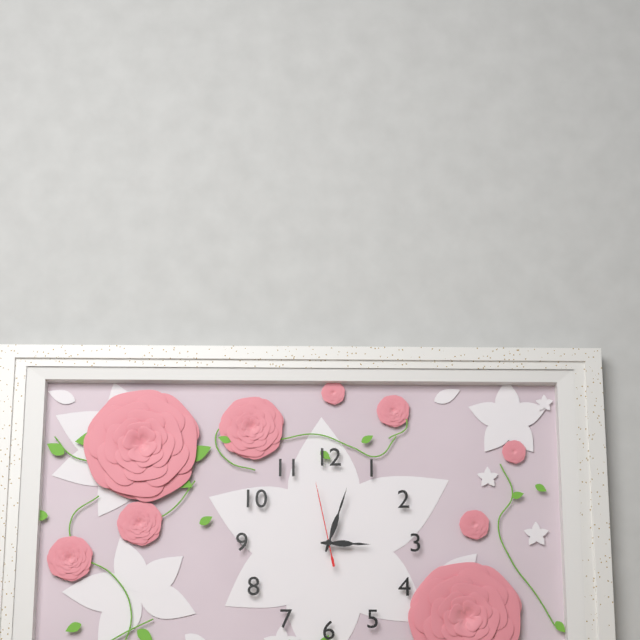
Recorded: 3 h 03 min 58 s
